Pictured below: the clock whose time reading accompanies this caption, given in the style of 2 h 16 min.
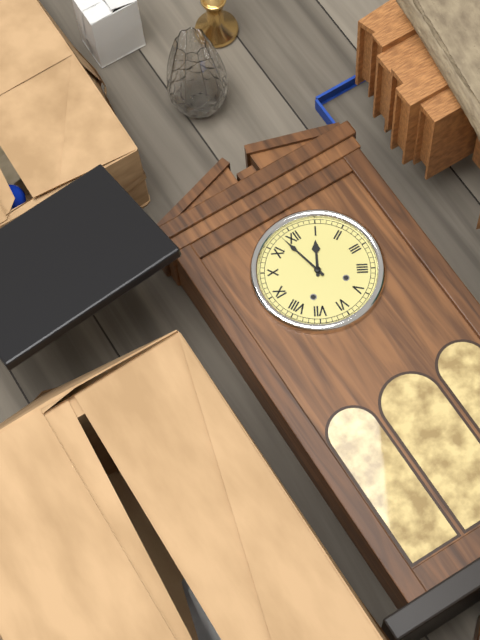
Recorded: 12 h 58 min
